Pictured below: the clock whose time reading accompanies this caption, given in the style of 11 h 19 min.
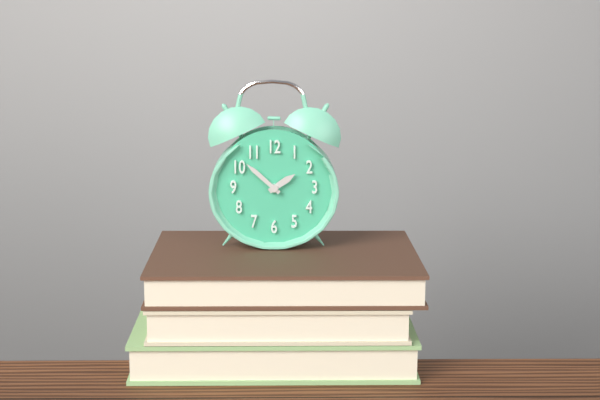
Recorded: 1 h 52 min
